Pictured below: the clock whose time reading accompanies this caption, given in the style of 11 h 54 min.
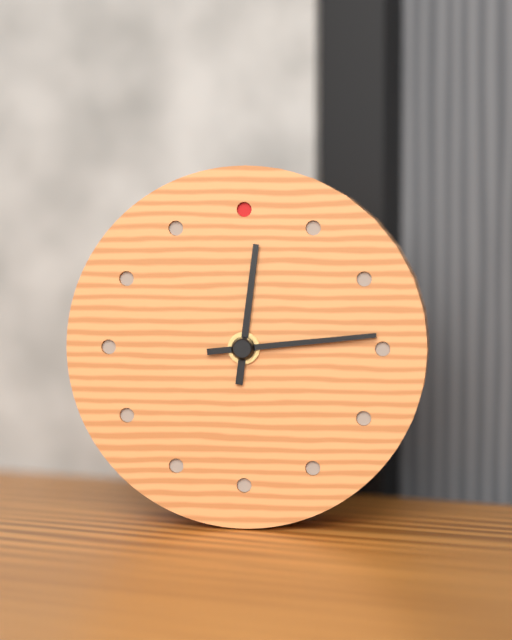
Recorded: 12 h 14 min
